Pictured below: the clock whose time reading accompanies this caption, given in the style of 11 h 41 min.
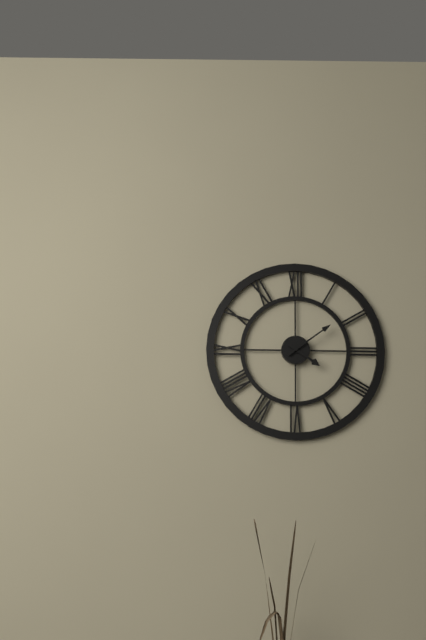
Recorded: 4 h 09 min
